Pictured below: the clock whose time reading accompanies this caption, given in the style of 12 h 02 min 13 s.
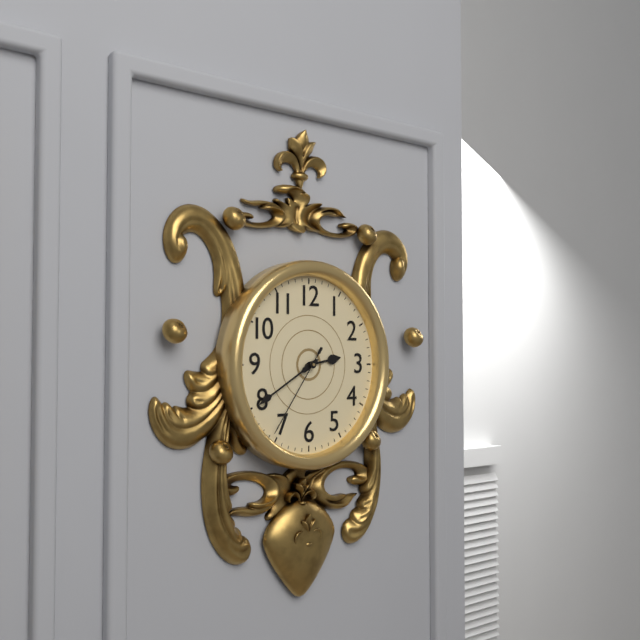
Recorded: 2 h 40 min 36 s
